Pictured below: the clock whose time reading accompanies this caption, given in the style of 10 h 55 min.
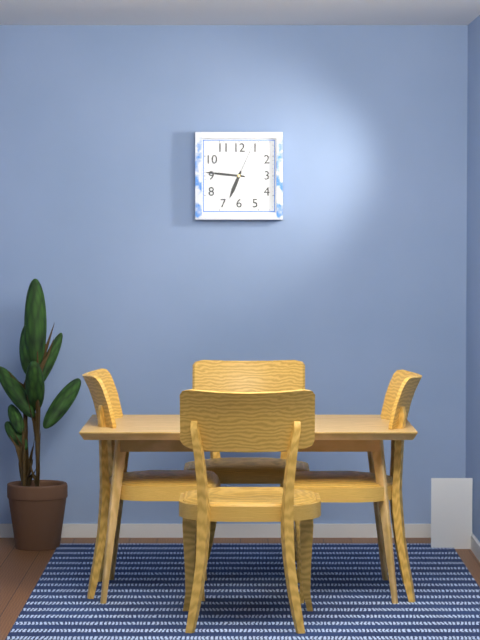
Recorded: 6 h 46 min
